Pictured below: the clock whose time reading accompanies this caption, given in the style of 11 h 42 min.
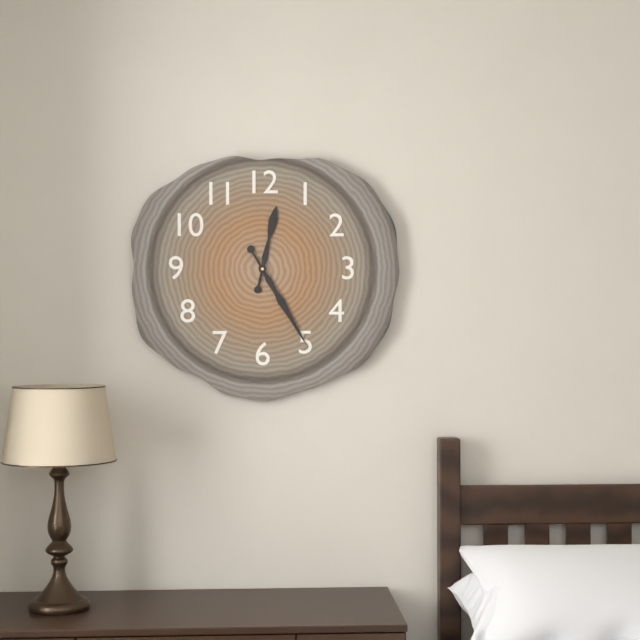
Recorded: 12 h 25 min
